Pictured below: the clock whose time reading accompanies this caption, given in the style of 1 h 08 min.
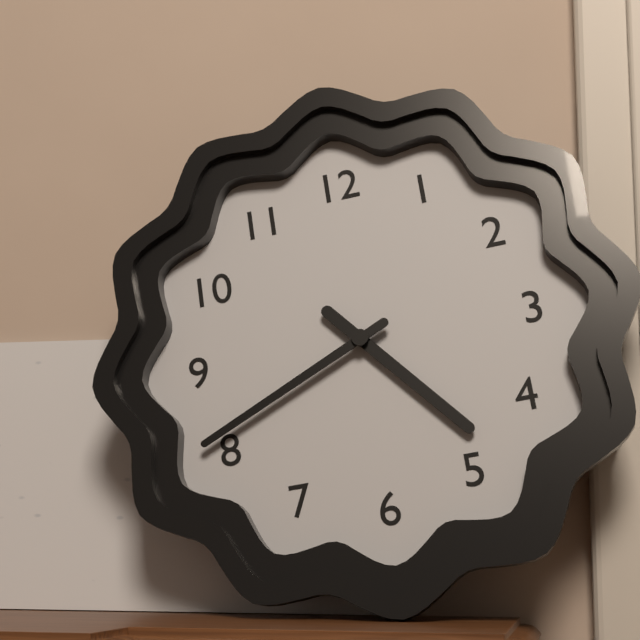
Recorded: 4 h 41 min
